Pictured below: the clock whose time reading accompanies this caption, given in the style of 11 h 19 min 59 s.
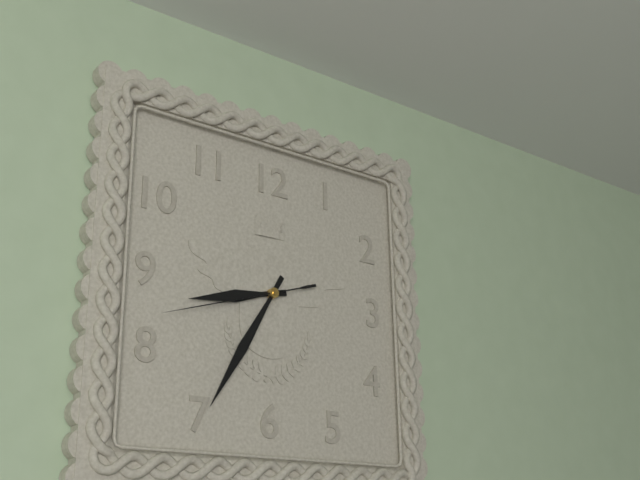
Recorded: 8 h 35 min 42 s
